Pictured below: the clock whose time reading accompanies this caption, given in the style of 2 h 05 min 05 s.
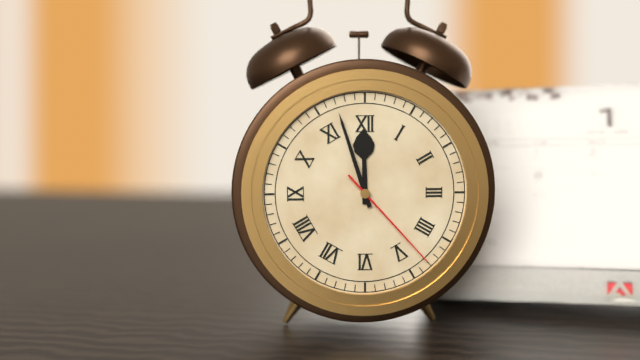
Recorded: 11 h 57 min 23 s
